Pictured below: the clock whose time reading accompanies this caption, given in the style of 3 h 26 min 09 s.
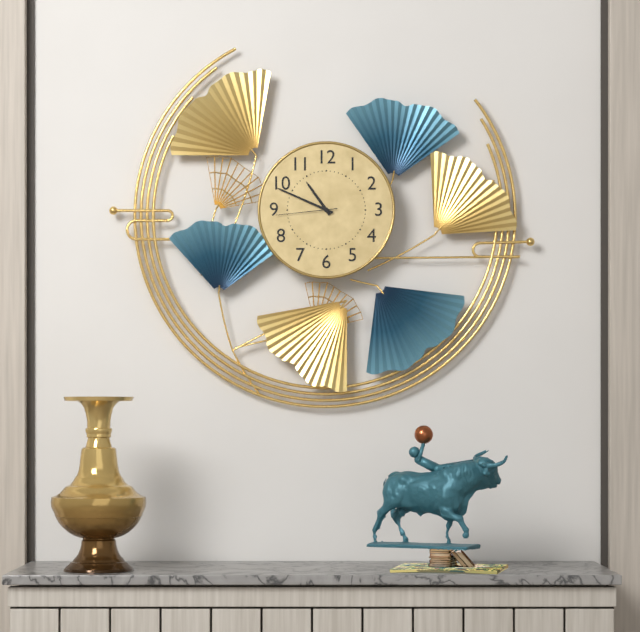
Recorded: 10 h 49 min 44 s
